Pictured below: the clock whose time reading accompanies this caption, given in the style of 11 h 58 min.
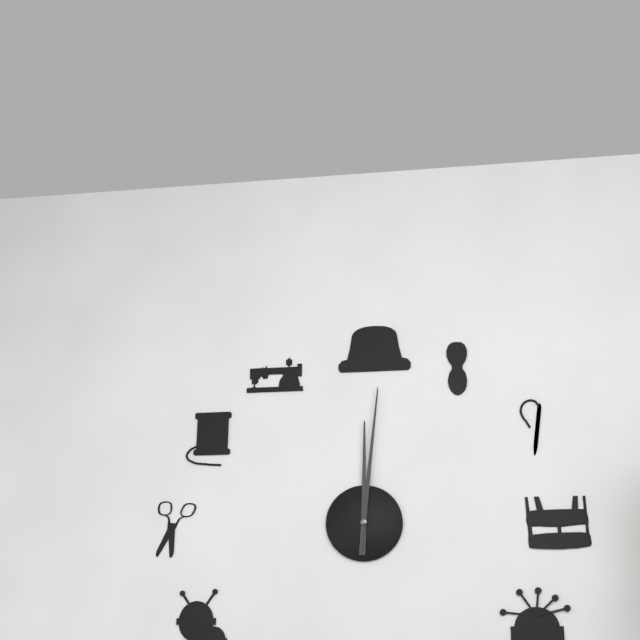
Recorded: 12 h 01 min
